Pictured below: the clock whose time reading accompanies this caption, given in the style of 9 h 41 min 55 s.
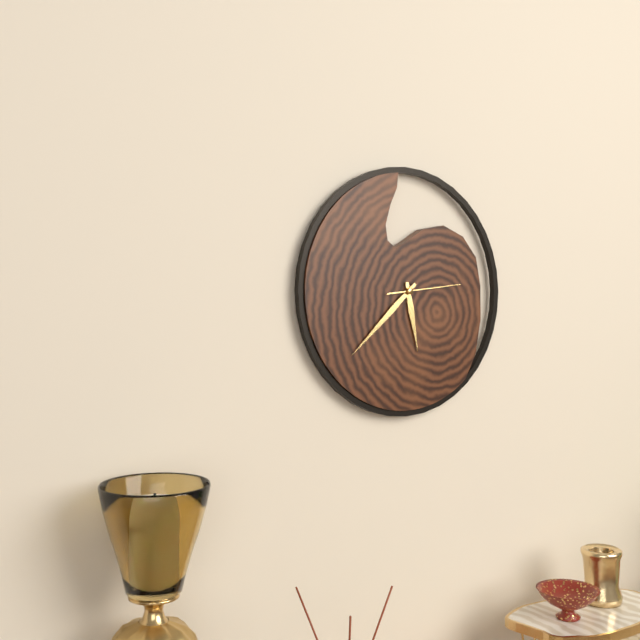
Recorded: 5 h 38 min 14 s
